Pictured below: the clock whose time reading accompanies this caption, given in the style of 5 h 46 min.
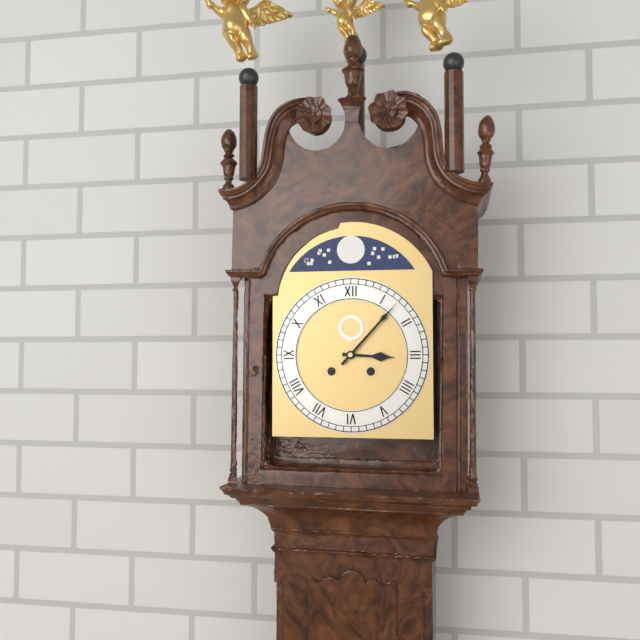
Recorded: 3 h 07 min
